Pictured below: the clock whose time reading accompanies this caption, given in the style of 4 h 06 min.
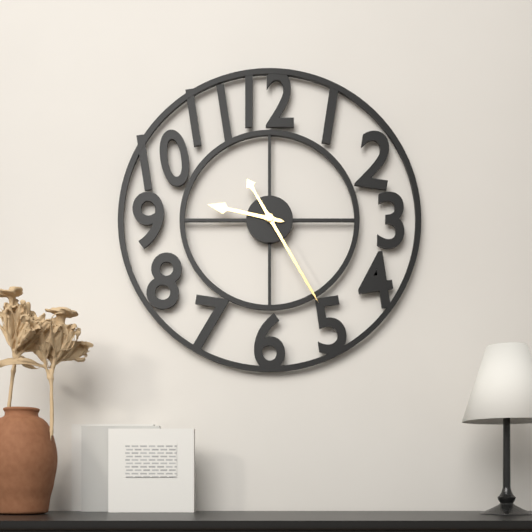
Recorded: 9 h 25 min
